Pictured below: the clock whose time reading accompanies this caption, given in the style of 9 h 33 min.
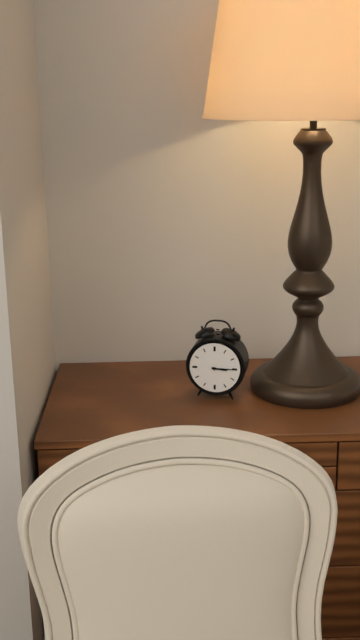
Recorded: 3 h 15 min
